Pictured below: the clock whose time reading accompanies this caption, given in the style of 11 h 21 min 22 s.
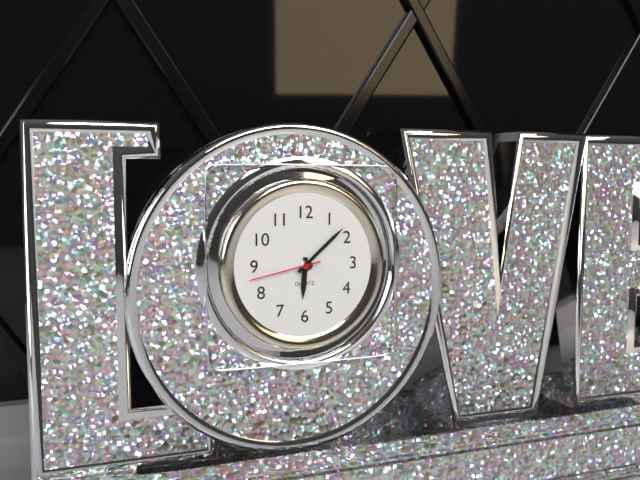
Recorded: 6 h 08 min 43 s
